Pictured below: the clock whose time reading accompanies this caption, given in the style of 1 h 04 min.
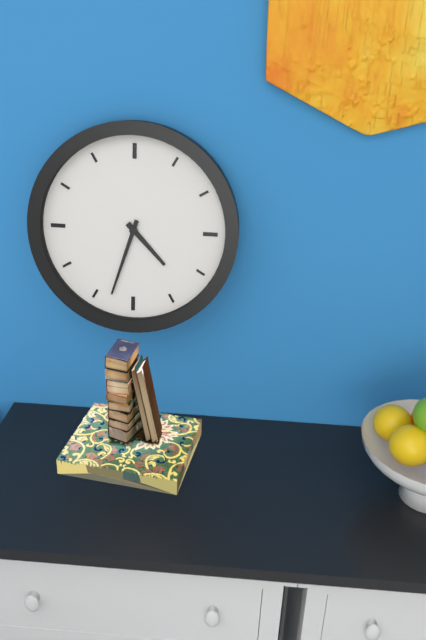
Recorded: 4 h 33 min
